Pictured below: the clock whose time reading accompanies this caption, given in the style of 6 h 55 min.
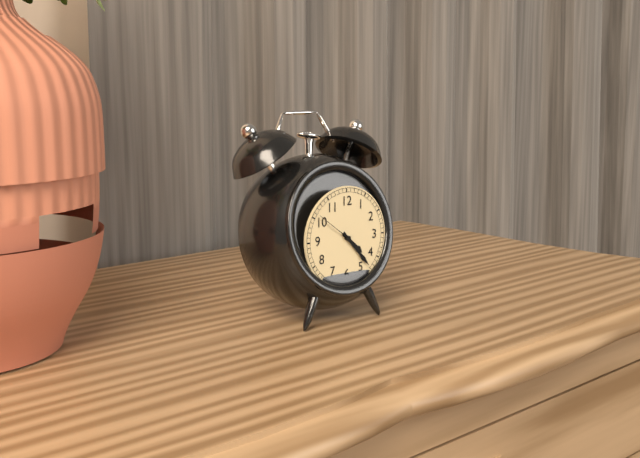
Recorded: 4 h 23 min
